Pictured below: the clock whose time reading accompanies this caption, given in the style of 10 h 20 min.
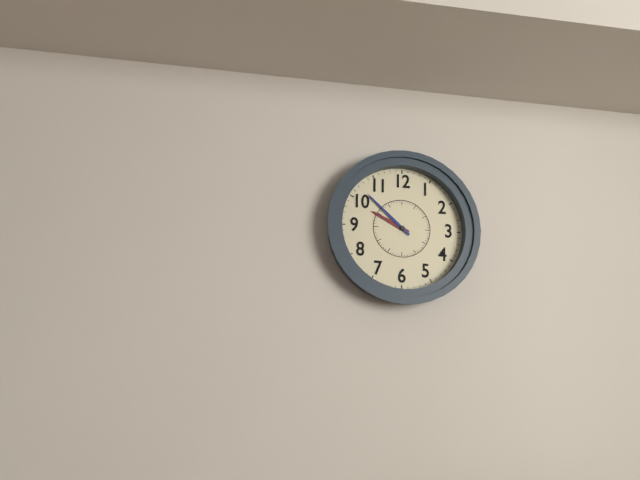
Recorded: 9 h 52 min
